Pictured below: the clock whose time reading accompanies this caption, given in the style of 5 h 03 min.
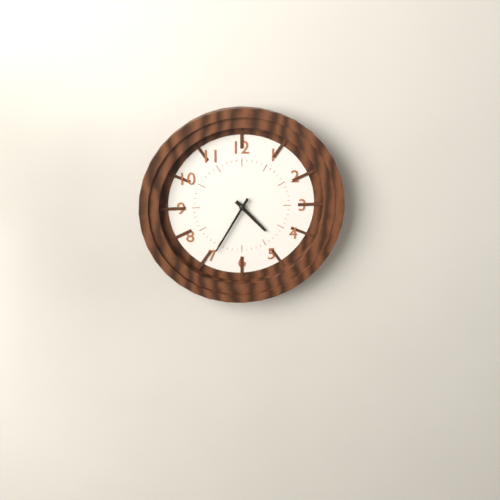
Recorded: 4 h 35 min
